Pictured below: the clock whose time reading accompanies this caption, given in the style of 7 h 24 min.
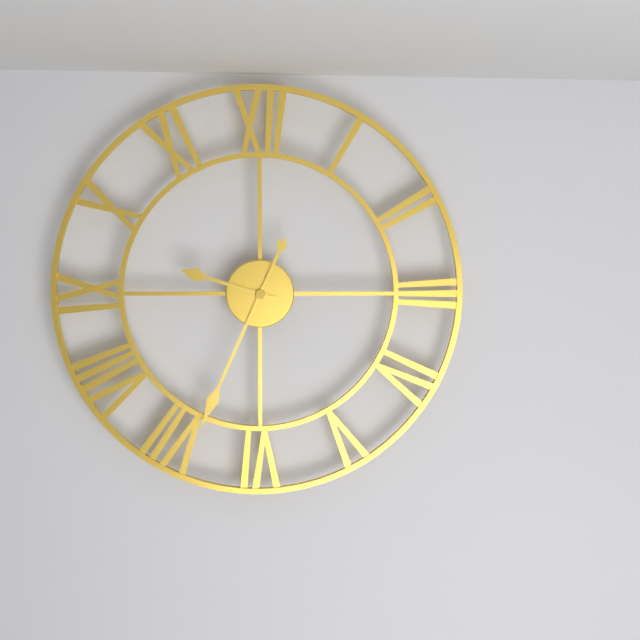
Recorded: 9 h 34 min
